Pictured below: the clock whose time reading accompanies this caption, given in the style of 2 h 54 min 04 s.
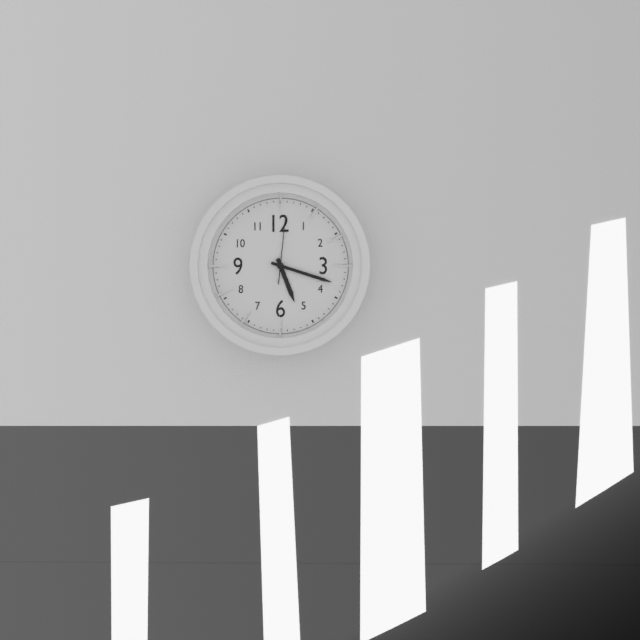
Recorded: 5 h 18 min 01 s
